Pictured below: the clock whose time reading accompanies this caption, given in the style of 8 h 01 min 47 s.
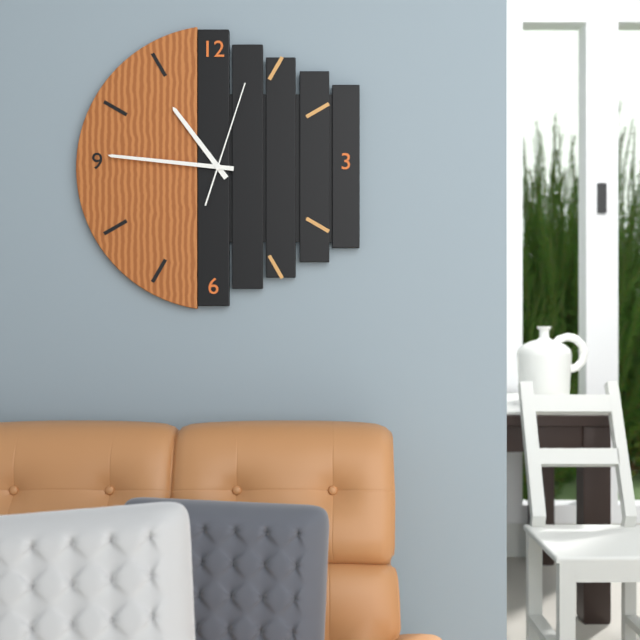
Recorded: 10 h 46 min 03 s
